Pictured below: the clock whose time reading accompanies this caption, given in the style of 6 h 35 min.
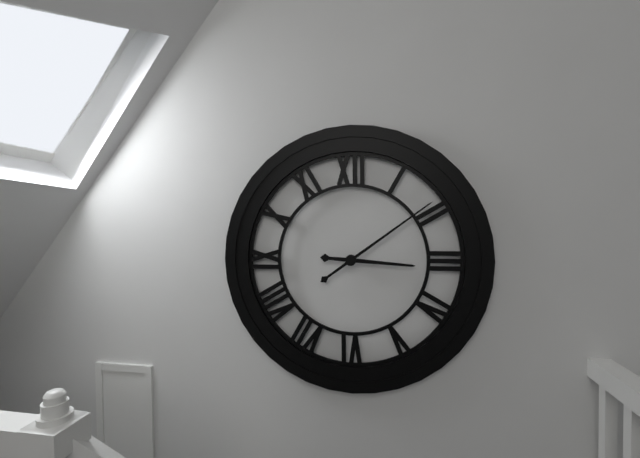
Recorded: 3 h 09 min
